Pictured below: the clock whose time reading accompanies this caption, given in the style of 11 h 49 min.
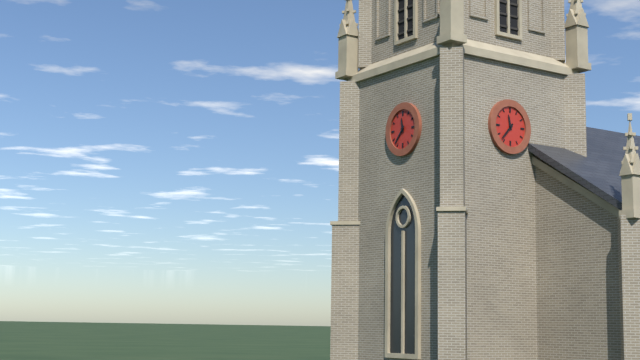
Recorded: 11 h 37 min
